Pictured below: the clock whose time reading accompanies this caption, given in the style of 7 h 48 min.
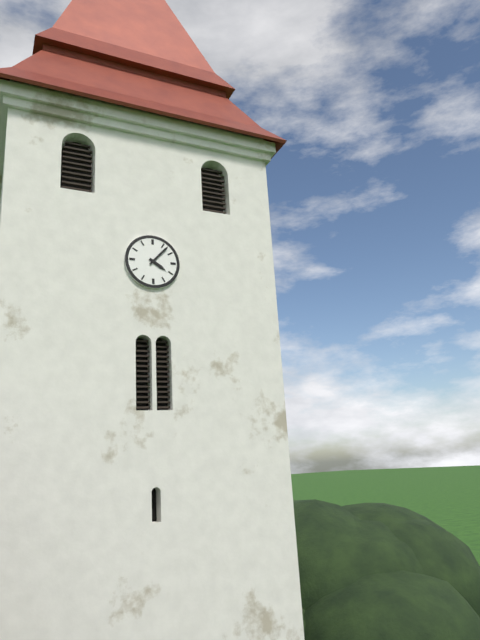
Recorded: 4 h 07 min
